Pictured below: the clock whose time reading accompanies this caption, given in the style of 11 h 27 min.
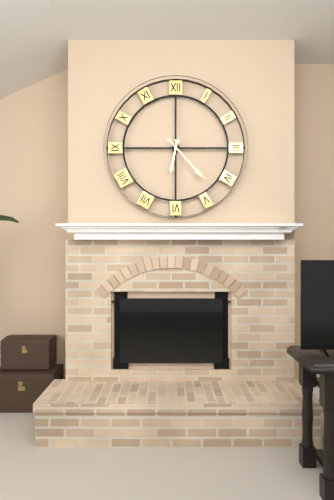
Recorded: 6 h 23 min
